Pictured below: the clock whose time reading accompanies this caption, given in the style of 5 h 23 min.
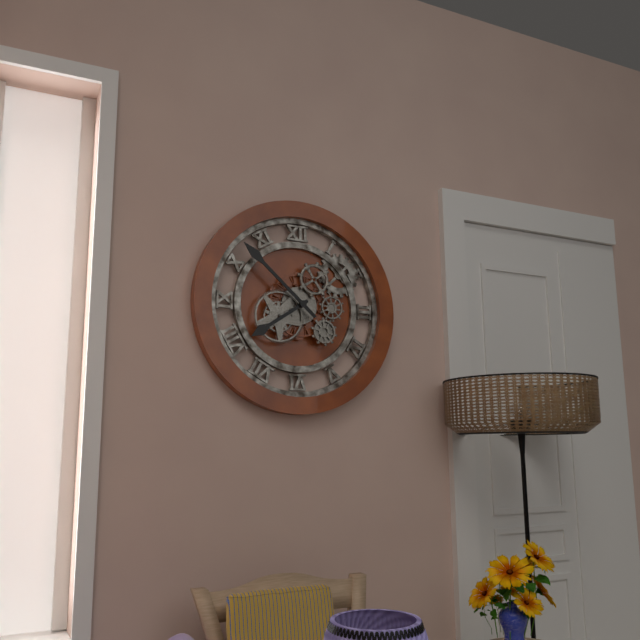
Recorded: 7 h 52 min
